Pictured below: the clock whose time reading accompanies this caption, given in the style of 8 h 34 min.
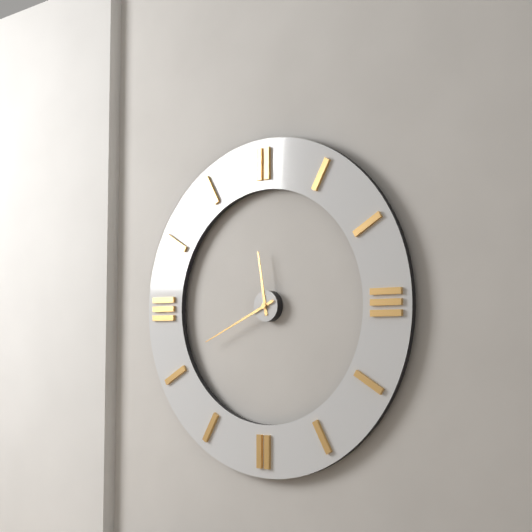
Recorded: 11 h 41 min
